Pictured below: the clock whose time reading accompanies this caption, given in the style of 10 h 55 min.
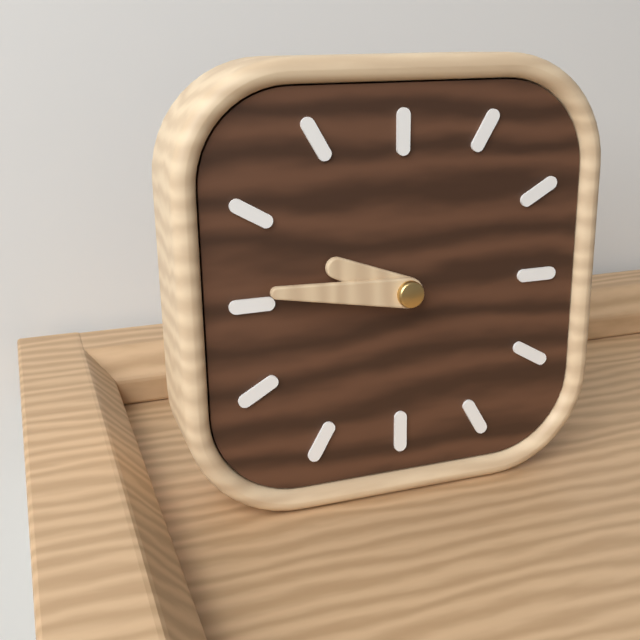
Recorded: 9 h 46 min
